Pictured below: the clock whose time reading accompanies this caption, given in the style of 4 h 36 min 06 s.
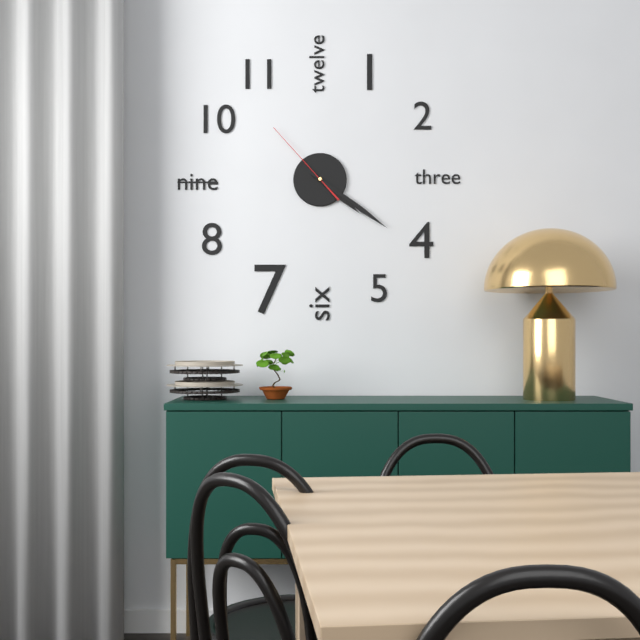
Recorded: 4 h 21 min 53 s
